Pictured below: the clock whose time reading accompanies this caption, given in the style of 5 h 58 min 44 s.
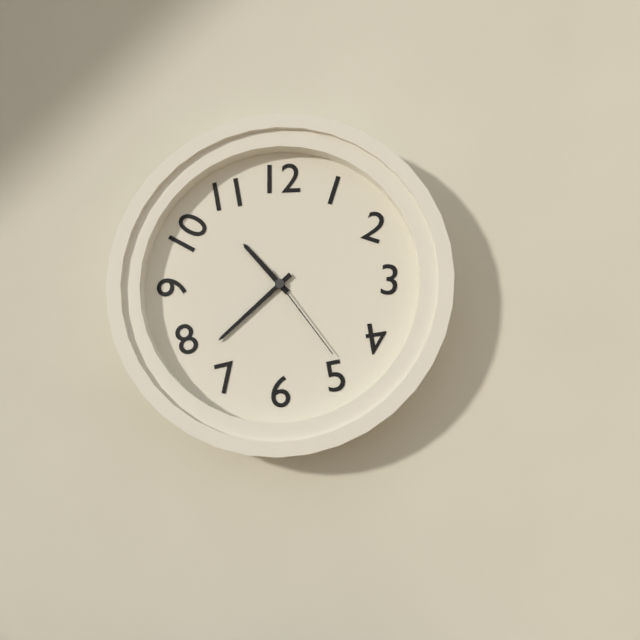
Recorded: 10 h 38 min 24 s
